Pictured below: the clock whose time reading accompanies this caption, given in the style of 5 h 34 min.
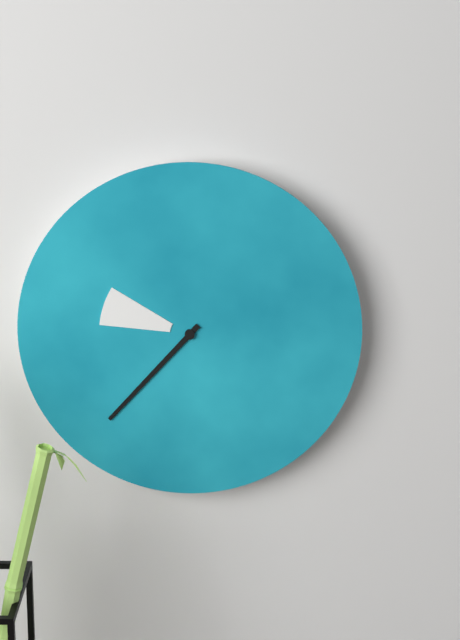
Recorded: 9 h 37 min
